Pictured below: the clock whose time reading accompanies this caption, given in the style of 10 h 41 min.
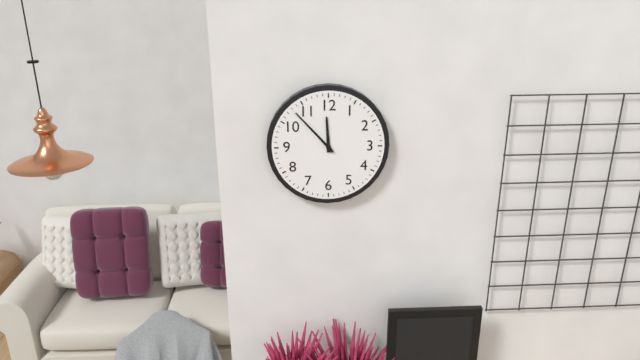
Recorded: 11 h 53 min
